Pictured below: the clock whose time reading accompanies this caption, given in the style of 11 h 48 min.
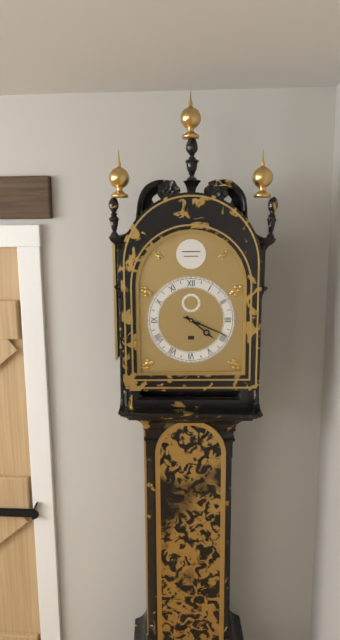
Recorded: 4 h 19 min
